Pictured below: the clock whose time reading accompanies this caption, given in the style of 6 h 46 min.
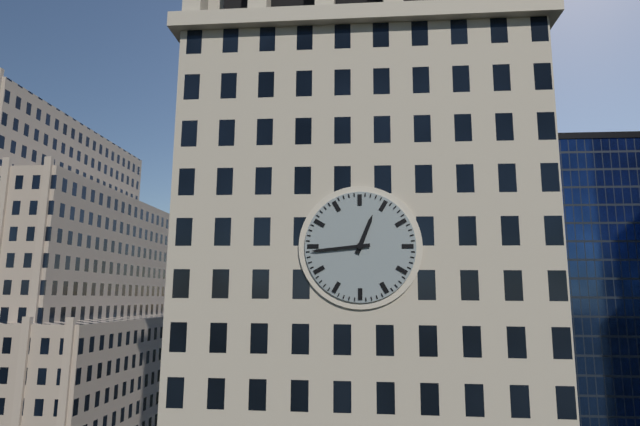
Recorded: 12 h 44 min
